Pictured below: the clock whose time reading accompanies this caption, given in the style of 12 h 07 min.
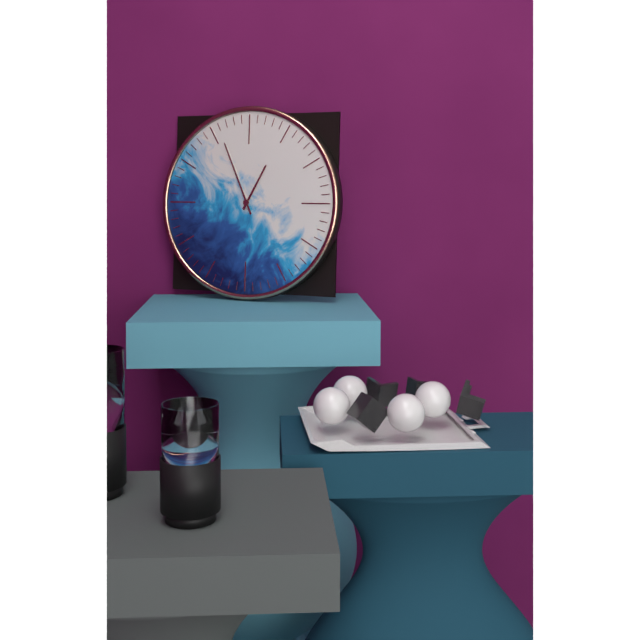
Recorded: 12 h 56 min
